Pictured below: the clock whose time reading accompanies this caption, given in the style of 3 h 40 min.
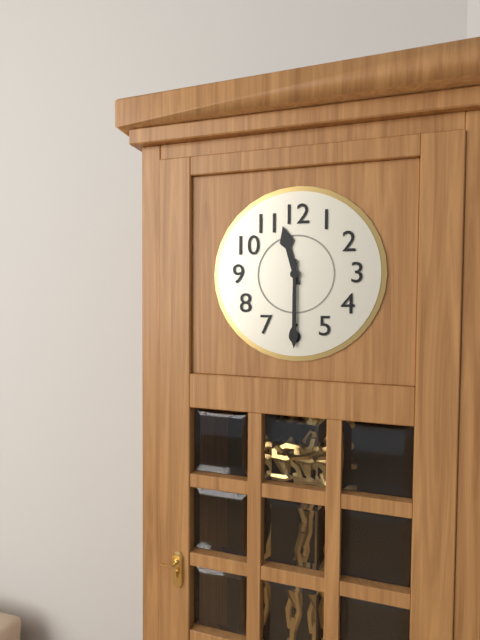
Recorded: 11 h 30 min
